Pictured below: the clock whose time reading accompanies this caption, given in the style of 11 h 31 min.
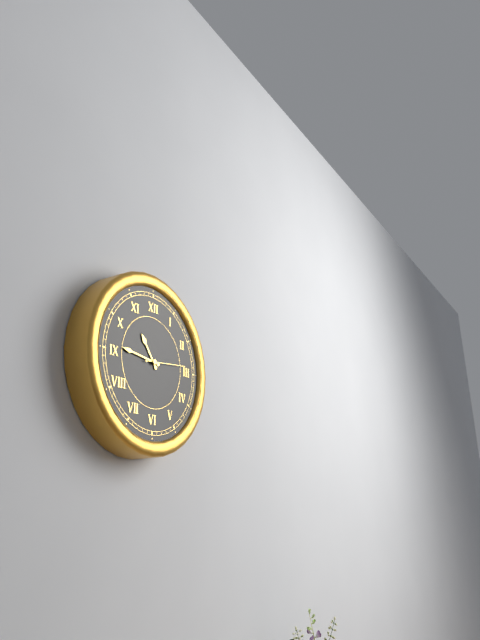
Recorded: 10 h 46 min
